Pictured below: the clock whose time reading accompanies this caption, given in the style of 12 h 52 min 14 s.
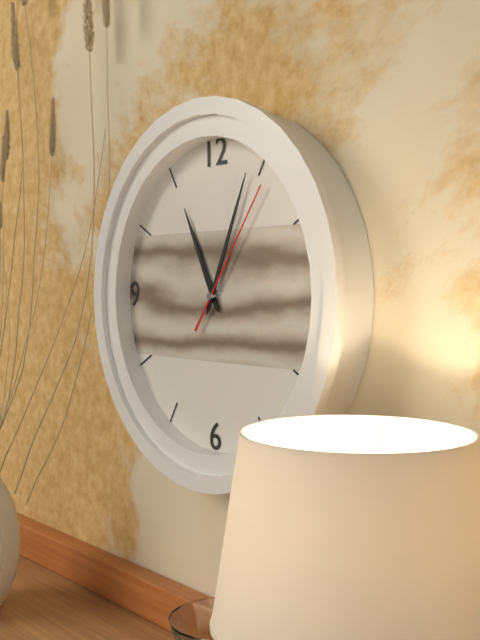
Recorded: 11 h 04 min 06 s
